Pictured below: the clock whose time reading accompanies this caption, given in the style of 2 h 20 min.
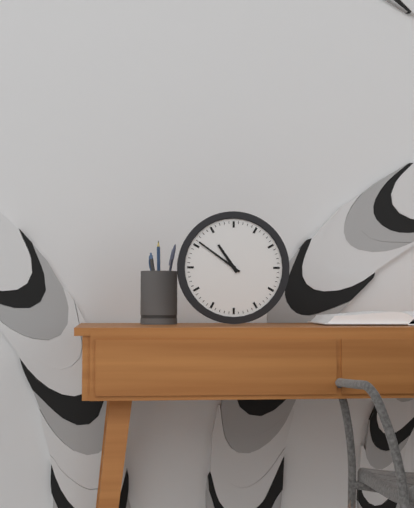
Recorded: 10 h 51 min
